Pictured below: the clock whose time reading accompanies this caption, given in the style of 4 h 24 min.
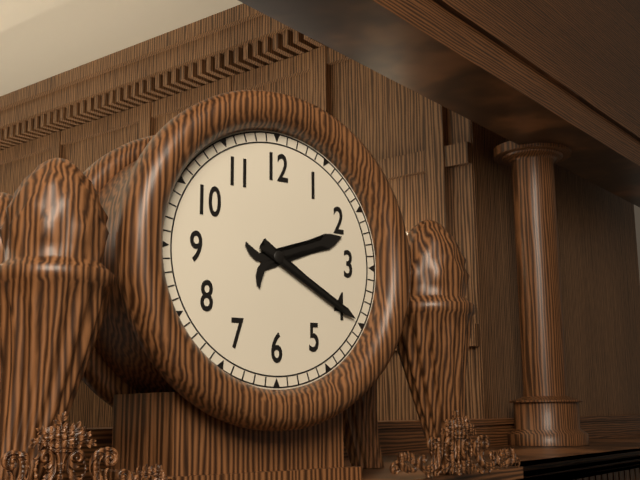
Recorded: 2 h 20 min
